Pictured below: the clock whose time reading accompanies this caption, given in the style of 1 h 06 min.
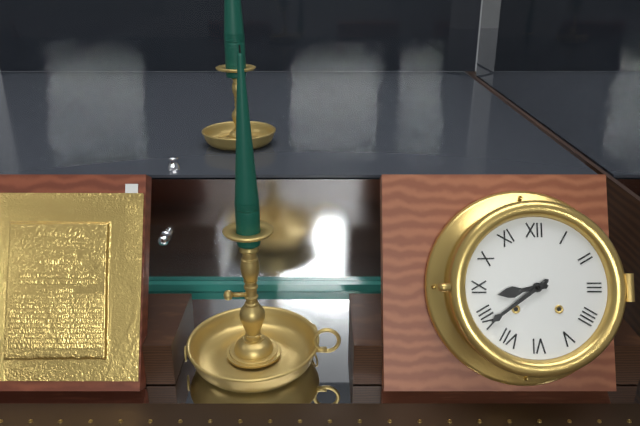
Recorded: 8 h 39 min
